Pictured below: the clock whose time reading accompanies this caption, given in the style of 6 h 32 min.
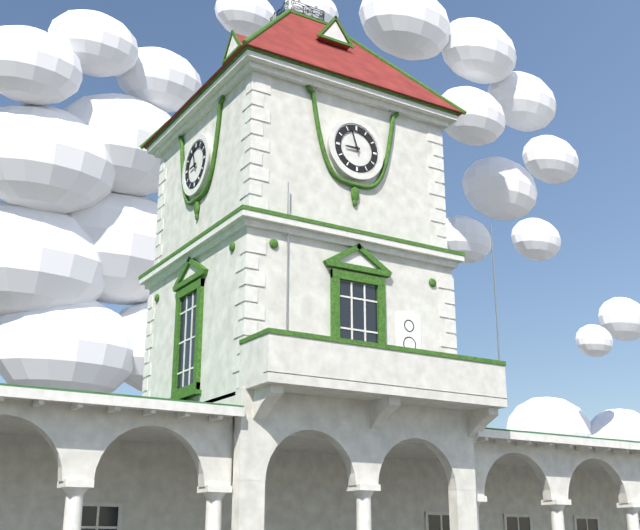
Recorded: 8 h 57 min
